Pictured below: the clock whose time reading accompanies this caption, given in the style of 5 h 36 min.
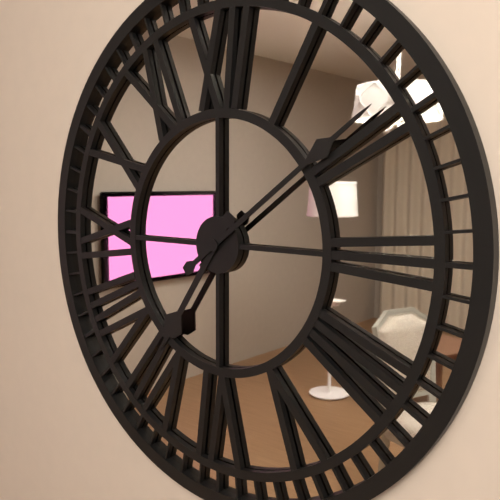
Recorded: 7 h 09 min
